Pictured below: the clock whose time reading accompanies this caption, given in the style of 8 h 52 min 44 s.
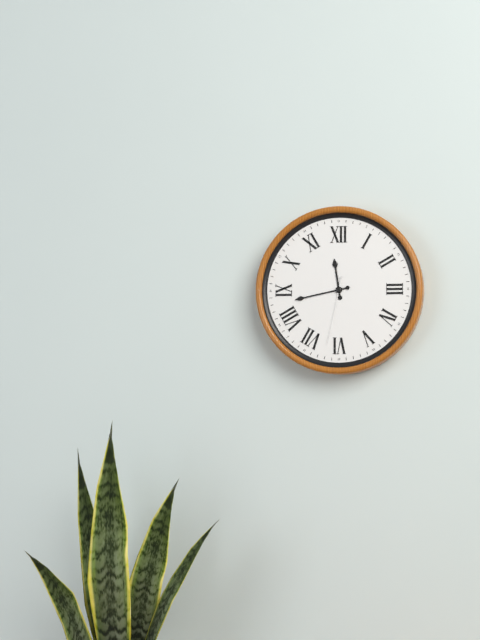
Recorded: 11 h 43 min 32 s
